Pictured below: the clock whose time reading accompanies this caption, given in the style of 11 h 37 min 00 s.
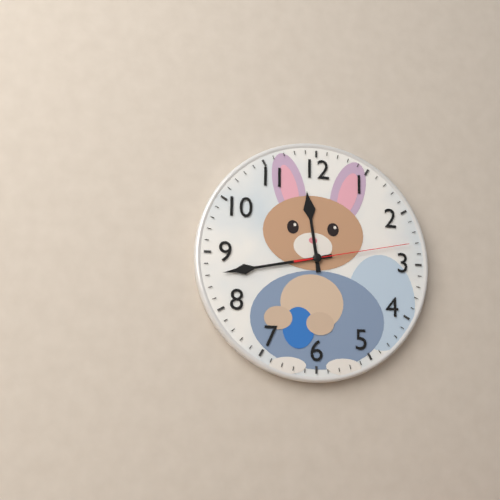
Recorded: 11 h 43 min 13 s
